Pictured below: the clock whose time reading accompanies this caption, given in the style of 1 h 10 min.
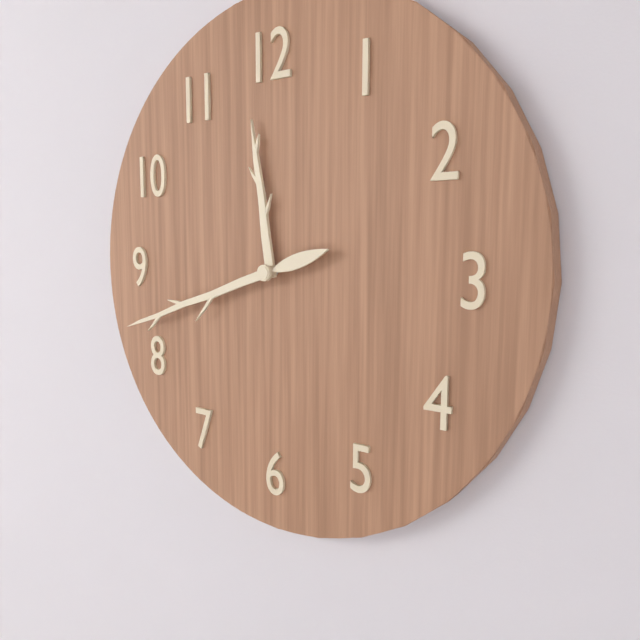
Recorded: 11 h 42 min
